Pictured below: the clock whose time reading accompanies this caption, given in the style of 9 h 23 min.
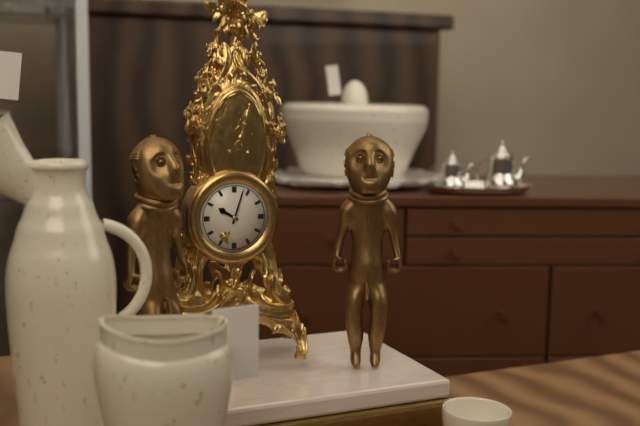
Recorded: 10 h 03 min
